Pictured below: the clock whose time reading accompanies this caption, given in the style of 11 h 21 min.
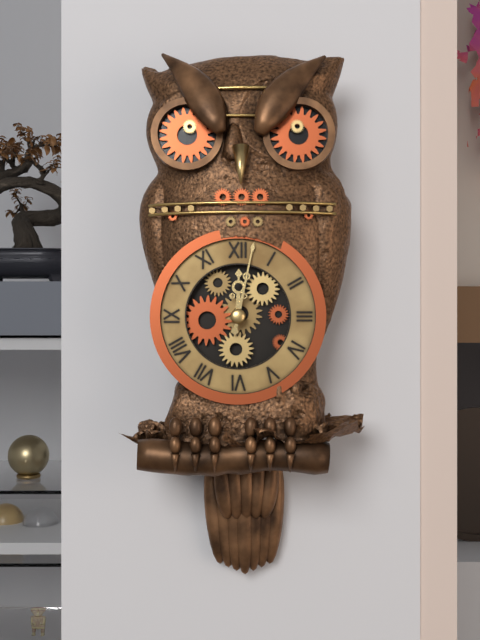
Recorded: 12 h 02 min
